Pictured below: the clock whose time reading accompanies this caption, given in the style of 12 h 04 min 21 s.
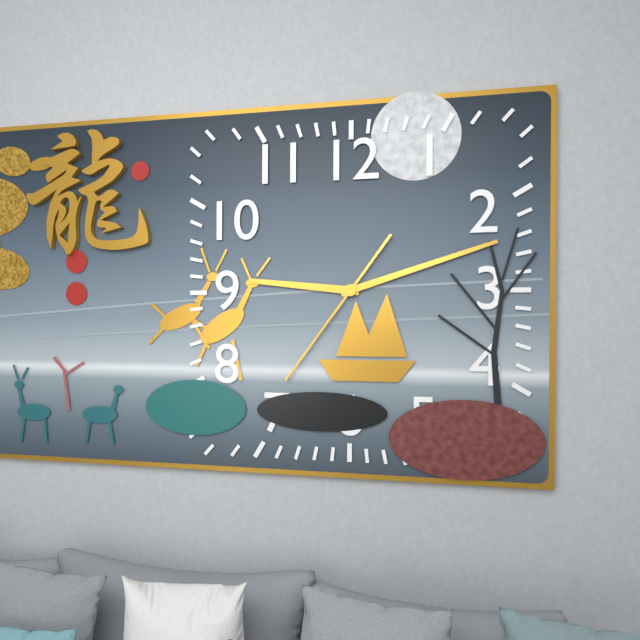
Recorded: 9 h 12 min 36 s
